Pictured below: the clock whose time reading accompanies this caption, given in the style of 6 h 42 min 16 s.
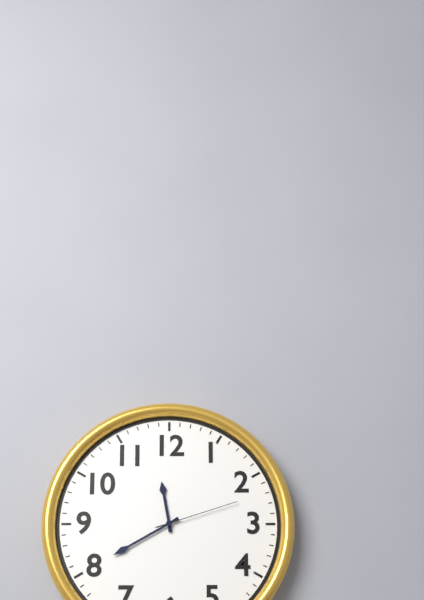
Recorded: 11 h 40 min 12 s
